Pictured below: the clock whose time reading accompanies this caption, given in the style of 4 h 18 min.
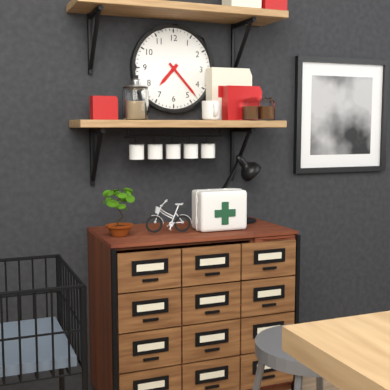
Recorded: 7 h 23 min
